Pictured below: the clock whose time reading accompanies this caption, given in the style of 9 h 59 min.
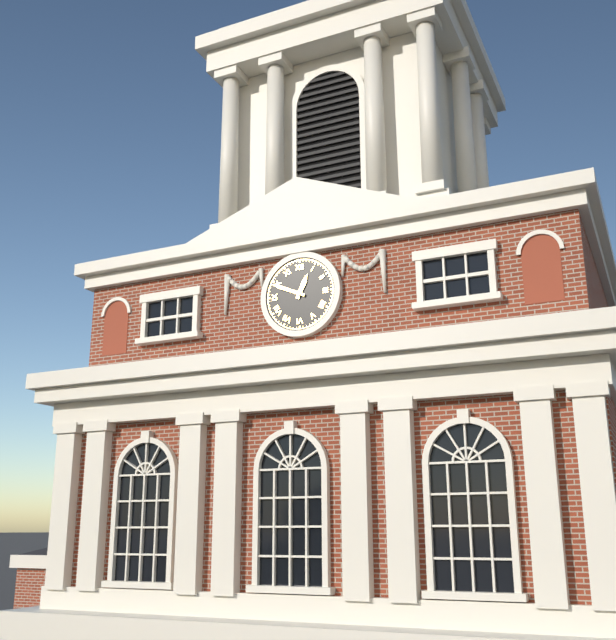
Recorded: 12 h 49 min
